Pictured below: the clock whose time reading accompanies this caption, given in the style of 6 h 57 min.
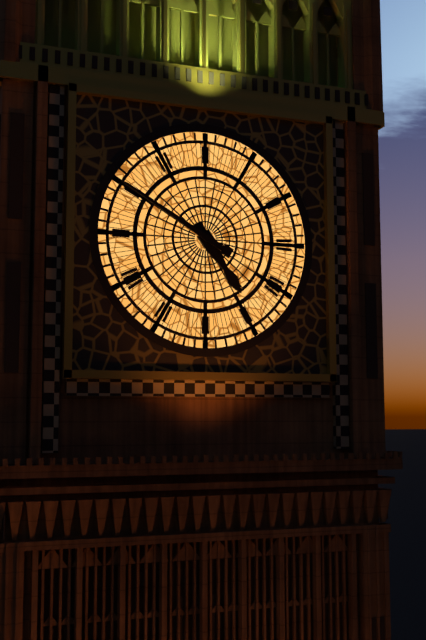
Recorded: 4 h 50 min
